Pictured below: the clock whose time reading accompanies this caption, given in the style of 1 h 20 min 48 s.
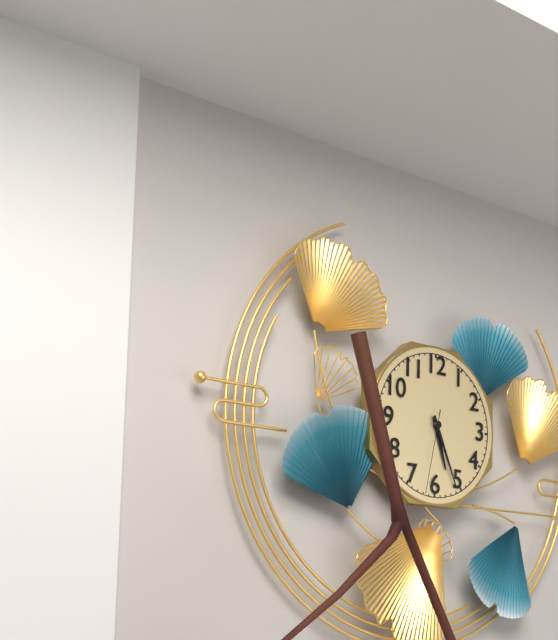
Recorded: 5 h 26 min 32 s
